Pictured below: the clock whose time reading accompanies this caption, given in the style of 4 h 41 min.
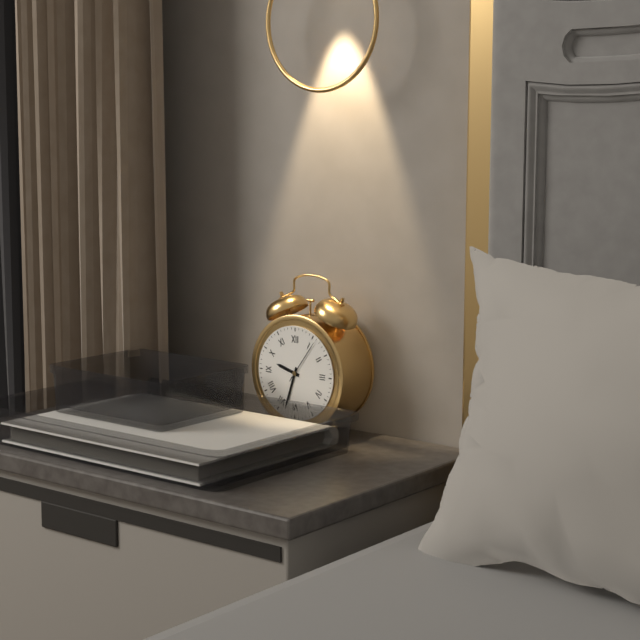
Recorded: 9 h 33 min
